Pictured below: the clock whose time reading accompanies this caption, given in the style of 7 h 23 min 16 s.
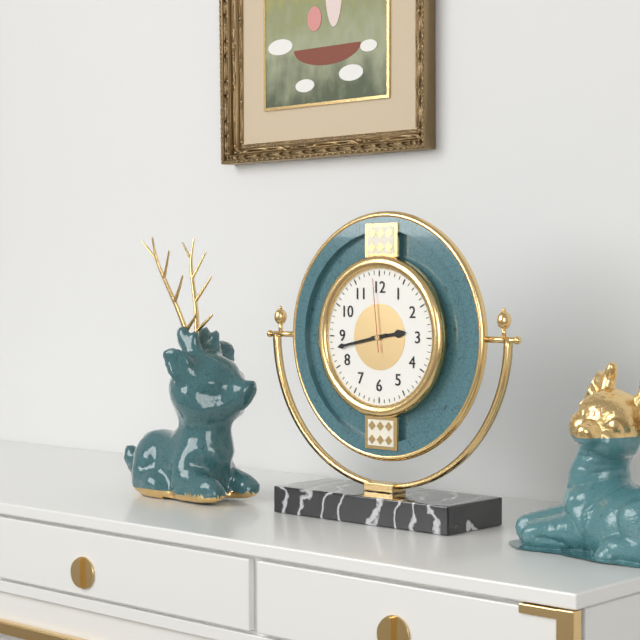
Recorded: 2 h 43 min 59 s
